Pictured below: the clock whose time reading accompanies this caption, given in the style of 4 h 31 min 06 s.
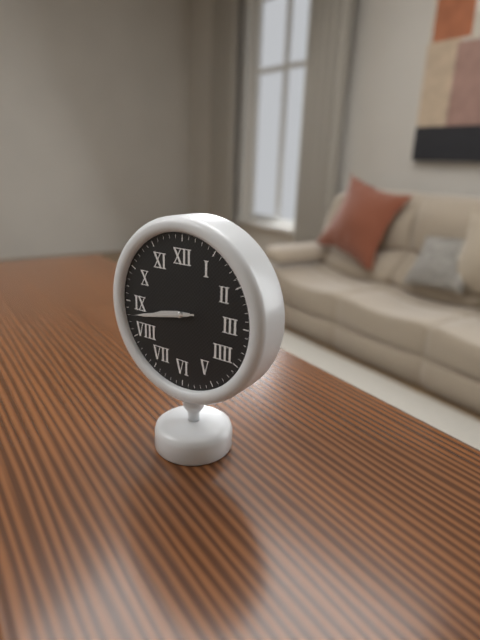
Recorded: 8 h 43 min 43 s
